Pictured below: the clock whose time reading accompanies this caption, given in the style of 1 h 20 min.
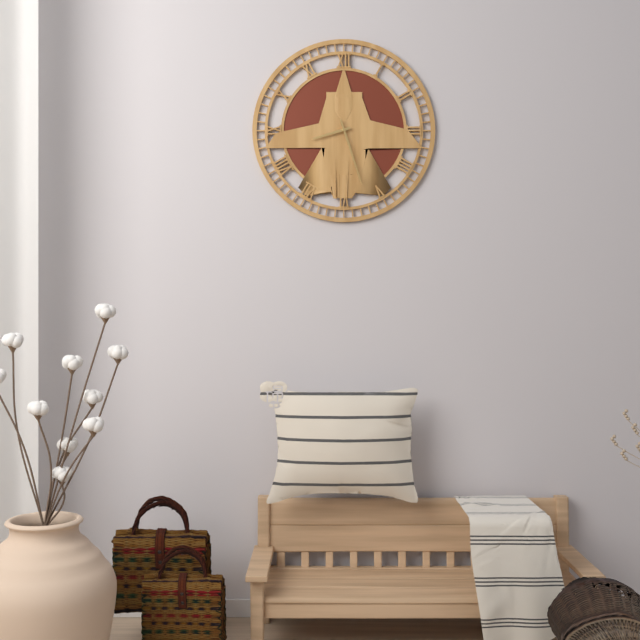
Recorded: 8 h 27 min
